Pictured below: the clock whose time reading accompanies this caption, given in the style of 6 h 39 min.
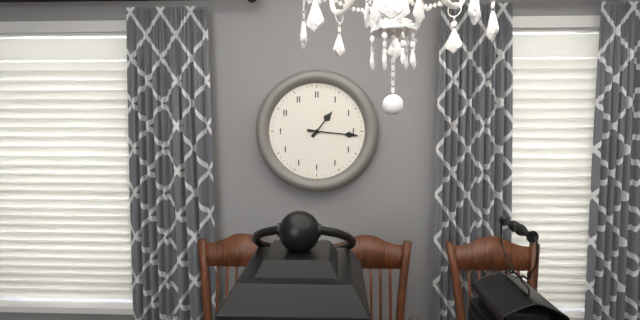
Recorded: 1 h 16 min
